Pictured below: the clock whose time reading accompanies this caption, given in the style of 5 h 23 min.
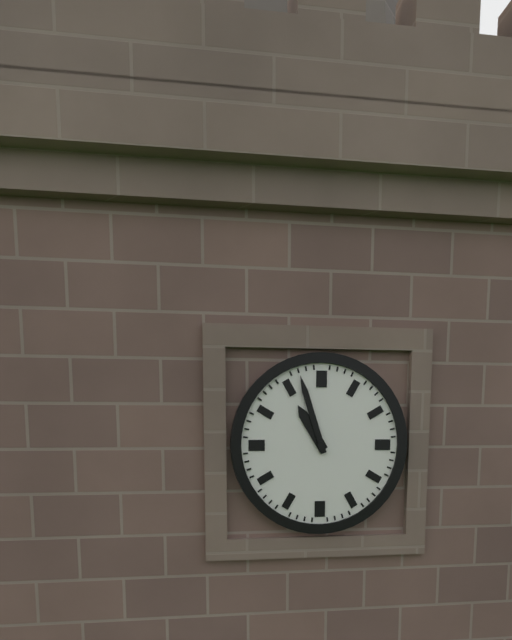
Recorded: 10 h 57 min
